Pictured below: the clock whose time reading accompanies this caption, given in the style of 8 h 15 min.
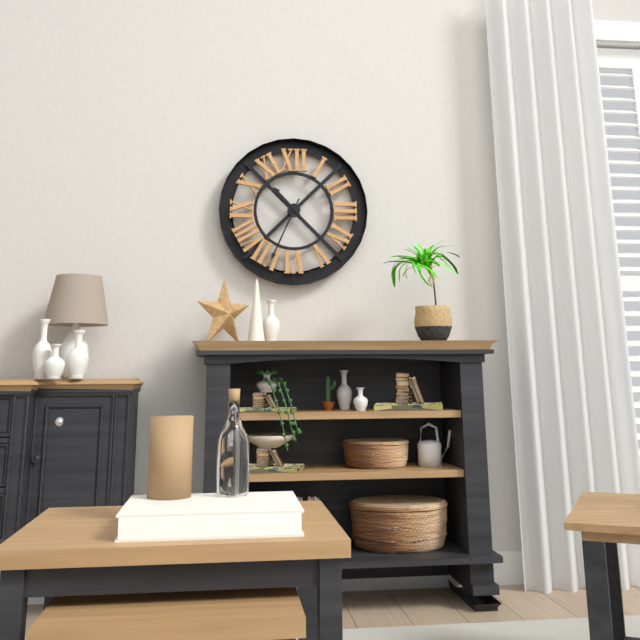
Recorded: 10 h 34 min
